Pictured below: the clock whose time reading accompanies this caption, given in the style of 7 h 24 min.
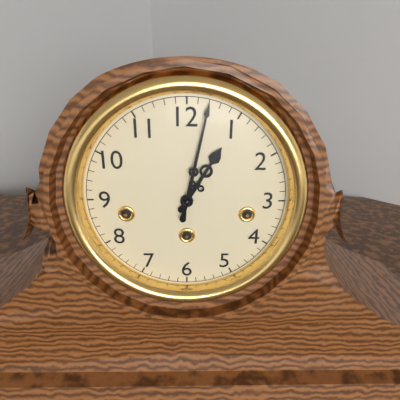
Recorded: 1 h 02 min
